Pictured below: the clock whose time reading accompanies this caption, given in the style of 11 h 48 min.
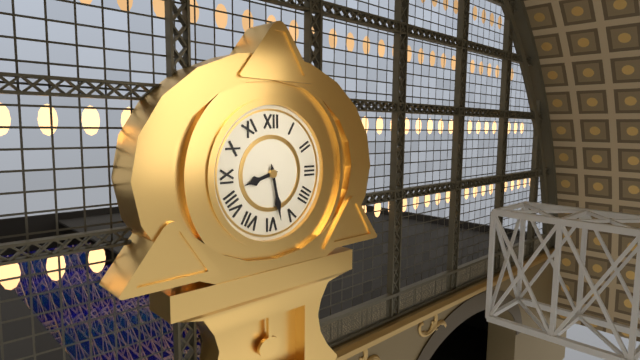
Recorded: 8 h 28 min
